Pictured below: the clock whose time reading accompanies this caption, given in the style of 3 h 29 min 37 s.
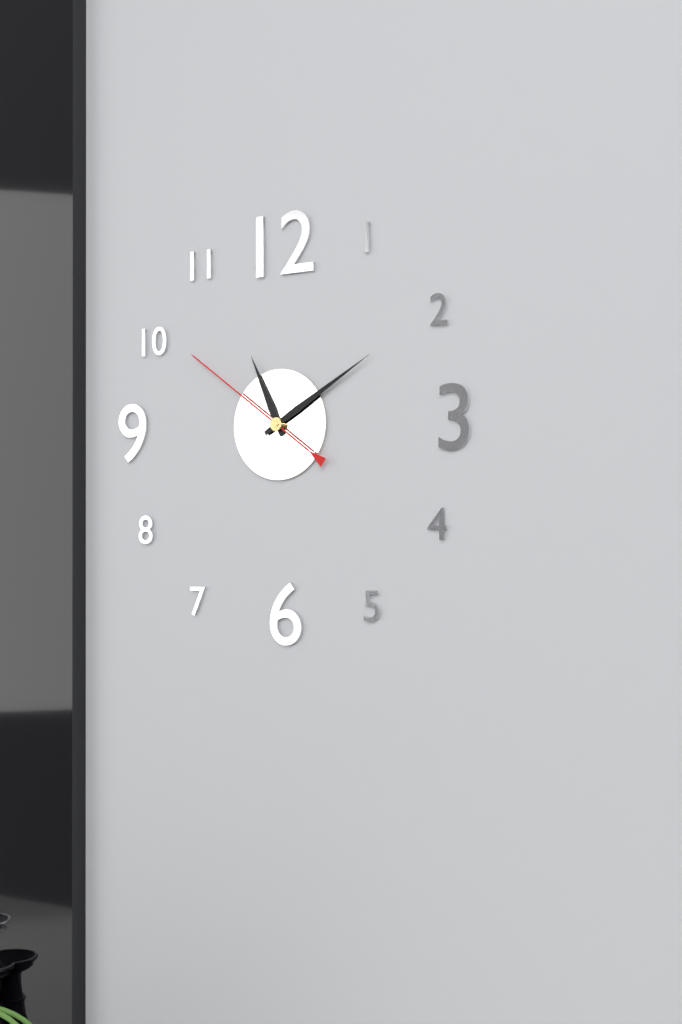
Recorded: 11 h 10 min 51 s
